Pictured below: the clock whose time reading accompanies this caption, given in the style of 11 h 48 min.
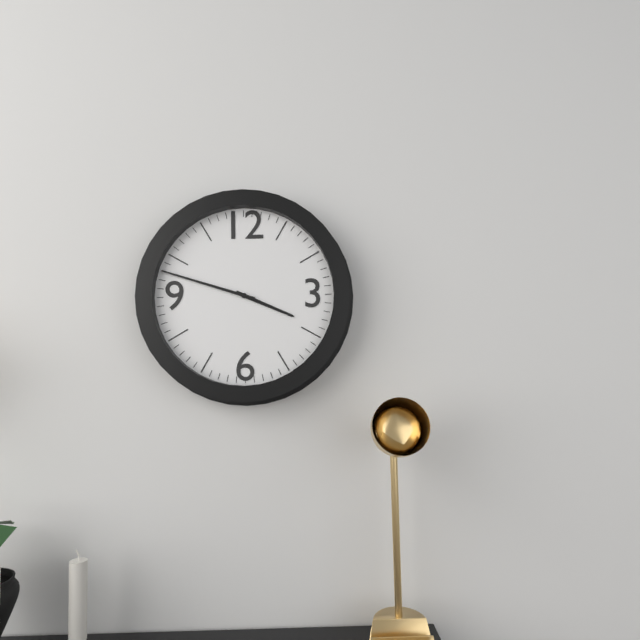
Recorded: 3 h 48 min
